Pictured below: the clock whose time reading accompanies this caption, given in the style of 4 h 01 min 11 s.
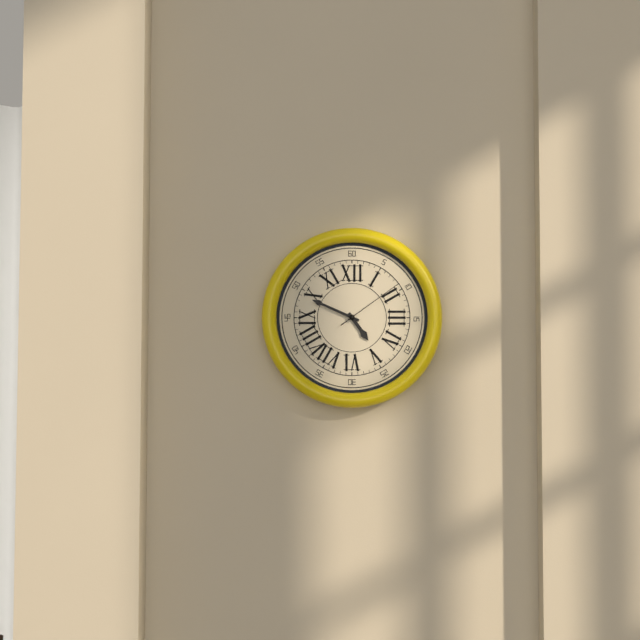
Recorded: 4 h 49 min 09 s
